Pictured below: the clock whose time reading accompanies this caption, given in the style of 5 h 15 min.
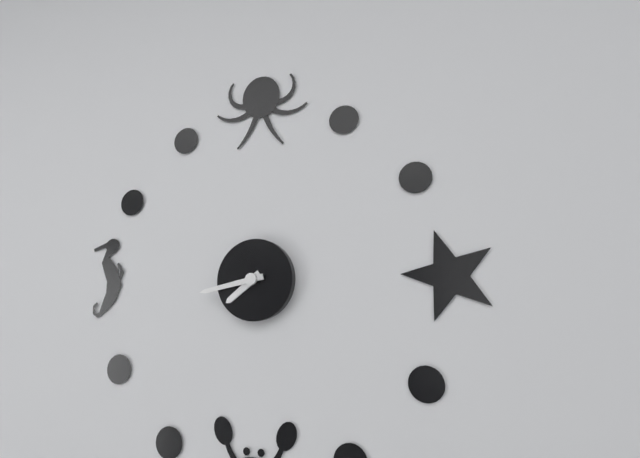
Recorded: 7 h 43 min
